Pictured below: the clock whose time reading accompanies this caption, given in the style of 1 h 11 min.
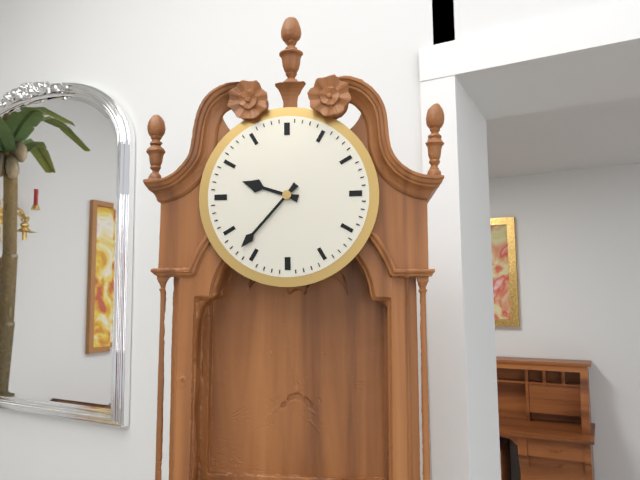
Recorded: 9 h 37 min
